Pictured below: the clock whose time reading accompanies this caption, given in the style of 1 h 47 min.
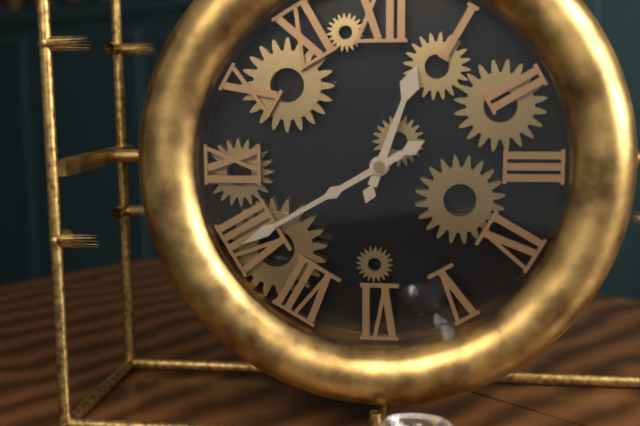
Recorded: 12 h 40 min
